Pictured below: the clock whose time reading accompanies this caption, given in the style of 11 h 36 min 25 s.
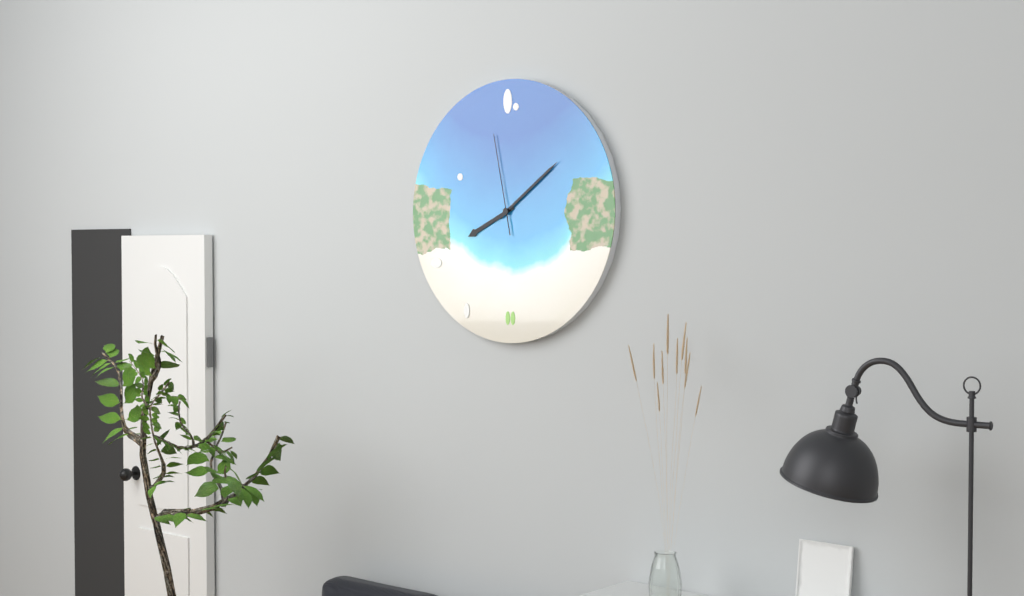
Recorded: 8 h 09 min 58 s
